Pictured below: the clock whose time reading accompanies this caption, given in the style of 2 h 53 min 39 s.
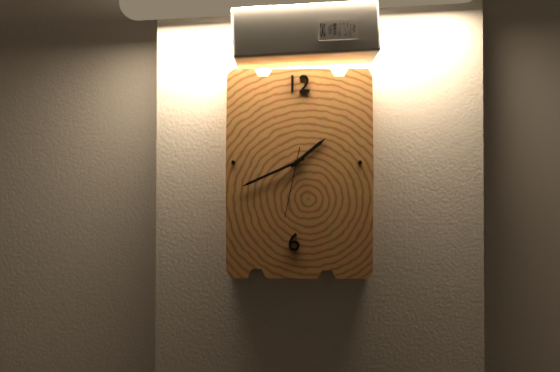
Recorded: 1 h 41 min 32 s
